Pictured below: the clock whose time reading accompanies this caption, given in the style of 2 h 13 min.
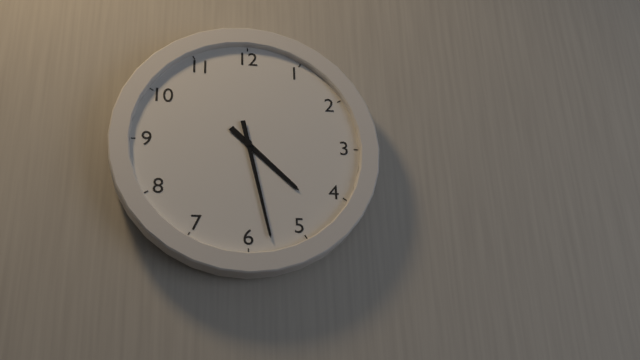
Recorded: 4 h 28 min
